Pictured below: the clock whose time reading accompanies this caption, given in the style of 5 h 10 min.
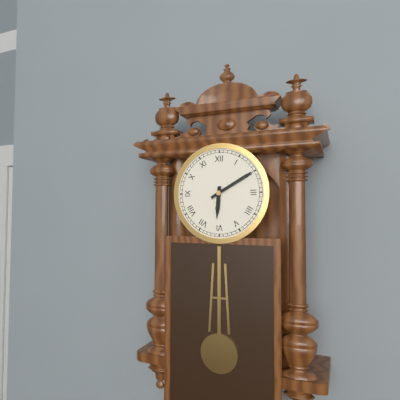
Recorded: 6 h 10 min
